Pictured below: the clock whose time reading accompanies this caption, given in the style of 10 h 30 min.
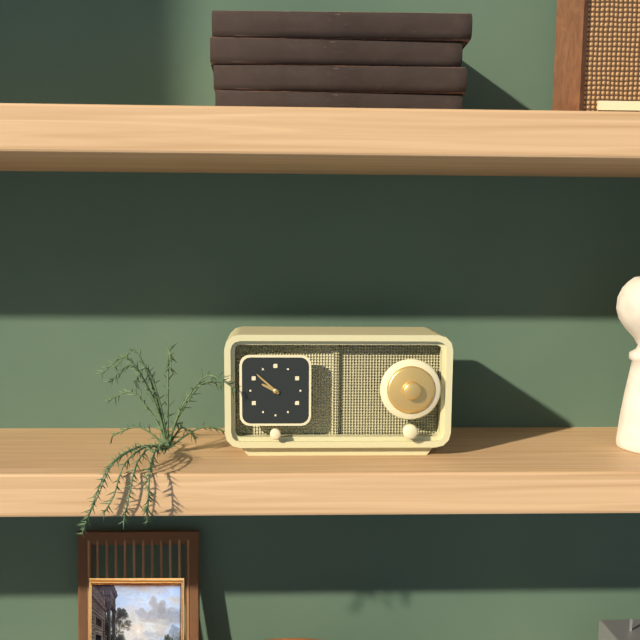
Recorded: 9 h 52 min
